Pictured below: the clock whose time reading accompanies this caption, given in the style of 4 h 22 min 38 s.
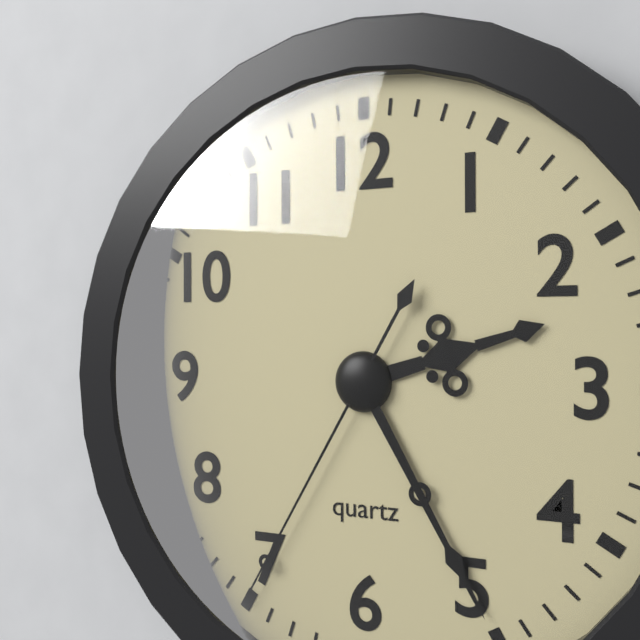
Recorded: 2 h 25 min 35 s
